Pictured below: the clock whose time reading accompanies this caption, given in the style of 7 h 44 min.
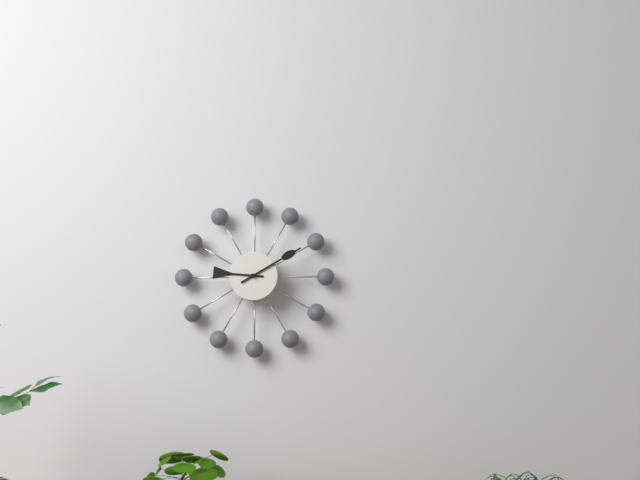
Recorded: 9 h 10 min
